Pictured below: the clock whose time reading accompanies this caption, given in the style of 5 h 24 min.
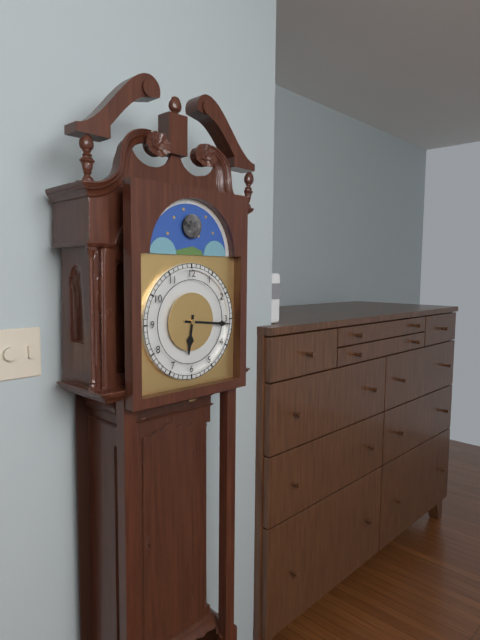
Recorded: 6 h 16 min
